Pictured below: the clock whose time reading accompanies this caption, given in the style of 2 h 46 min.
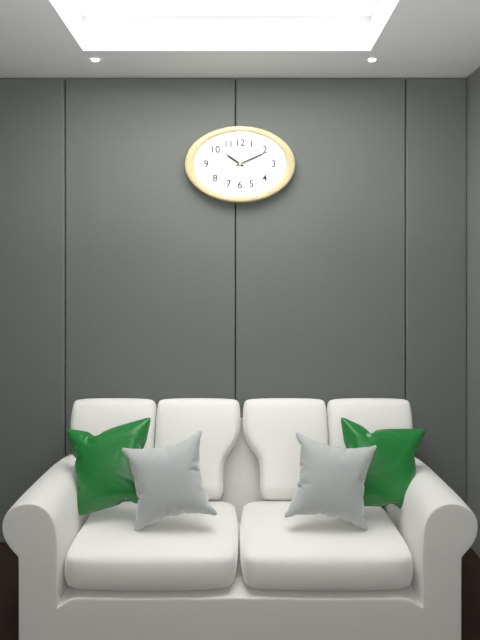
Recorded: 10 h 11 min
